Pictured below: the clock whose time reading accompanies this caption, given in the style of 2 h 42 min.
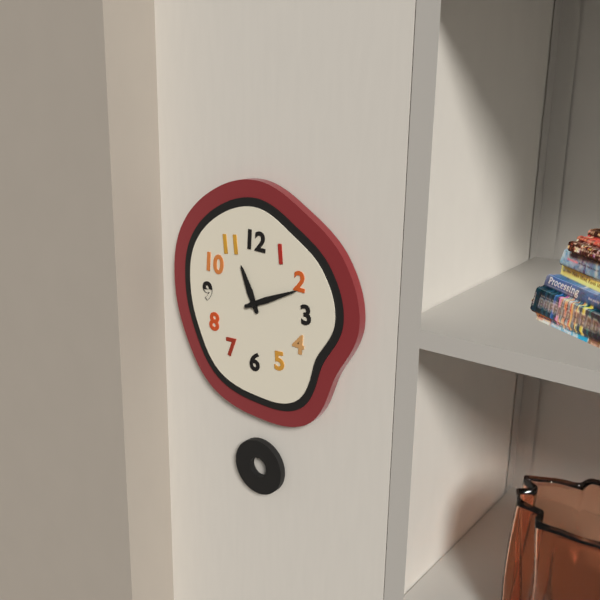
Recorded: 11 h 11 min
